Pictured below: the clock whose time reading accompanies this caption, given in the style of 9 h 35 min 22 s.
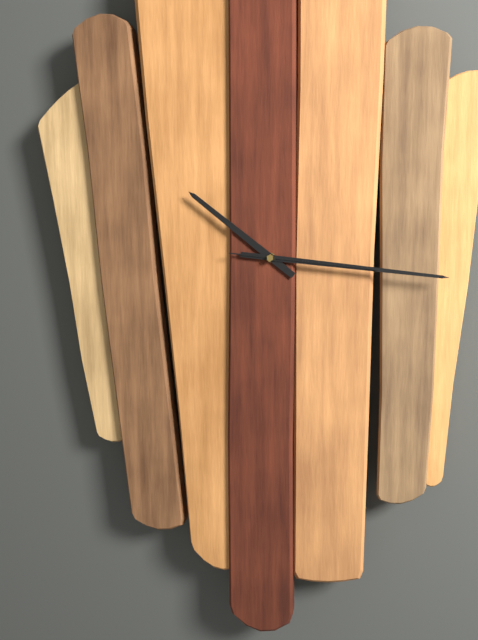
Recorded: 10 h 16 min 16 s
